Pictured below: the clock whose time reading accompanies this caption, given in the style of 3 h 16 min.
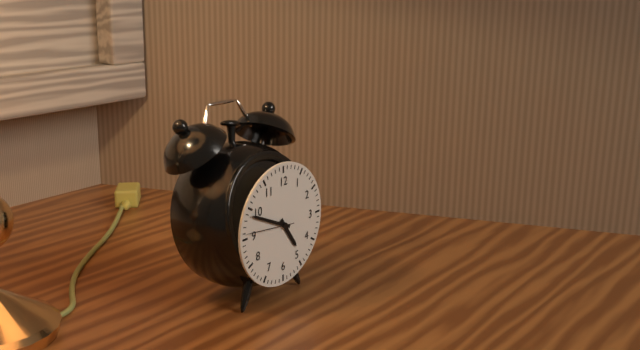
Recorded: 4 h 49 min
